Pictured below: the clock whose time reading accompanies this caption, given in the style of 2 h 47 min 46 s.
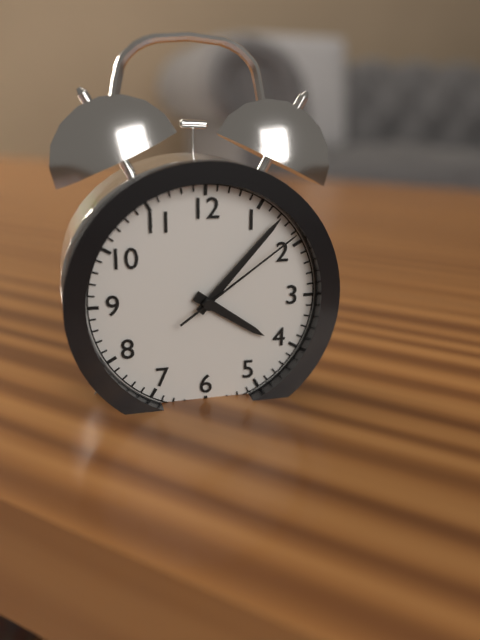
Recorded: 4 h 07 min 09 s
